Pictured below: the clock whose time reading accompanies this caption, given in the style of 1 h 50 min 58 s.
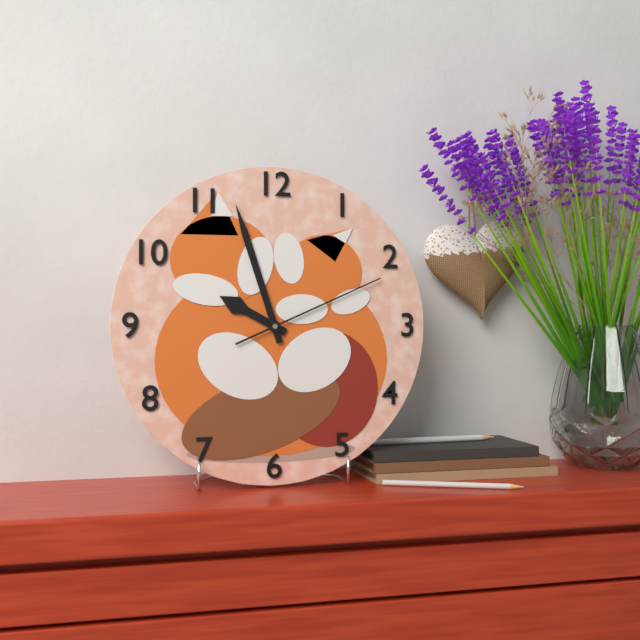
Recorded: 9 h 57 min 11 s
